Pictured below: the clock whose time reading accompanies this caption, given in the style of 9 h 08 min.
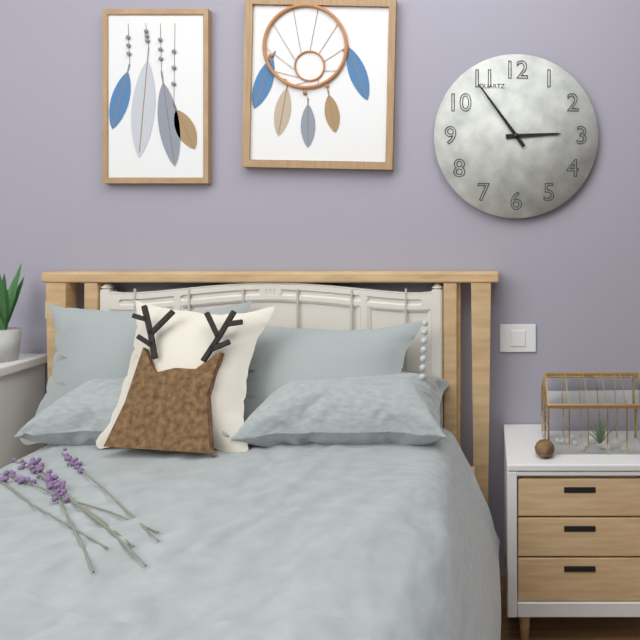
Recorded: 2 h 54 min
